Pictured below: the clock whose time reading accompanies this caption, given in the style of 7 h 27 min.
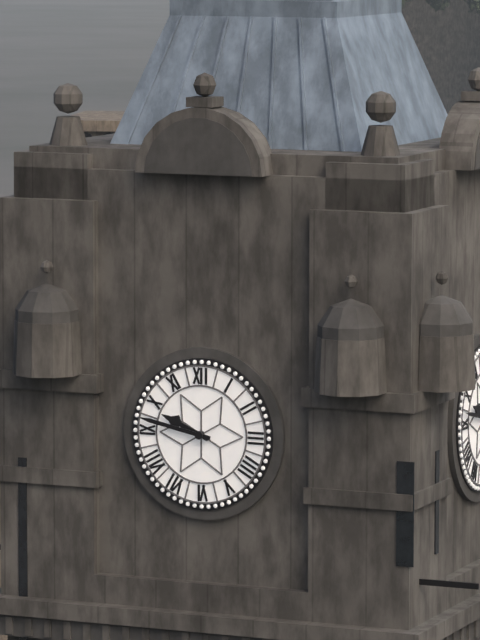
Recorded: 9 h 47 min
